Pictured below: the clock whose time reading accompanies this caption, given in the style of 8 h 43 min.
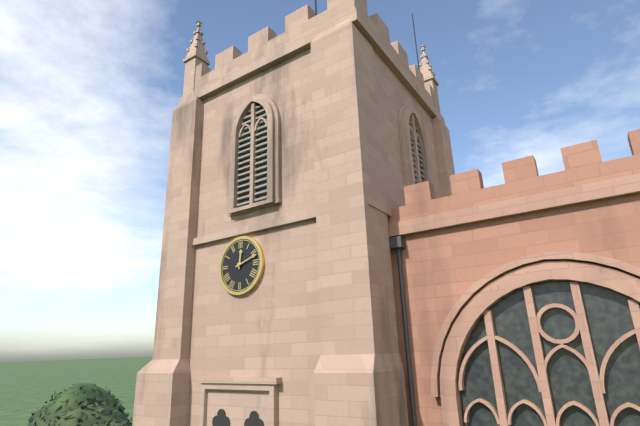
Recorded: 12 h 12 min
